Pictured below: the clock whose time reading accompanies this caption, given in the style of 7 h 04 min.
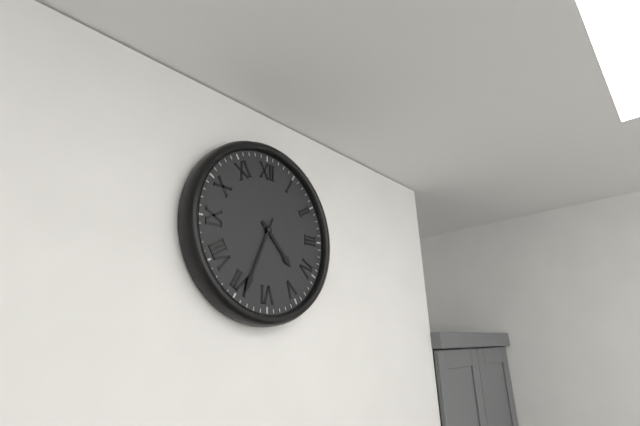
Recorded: 4 h 34 min
